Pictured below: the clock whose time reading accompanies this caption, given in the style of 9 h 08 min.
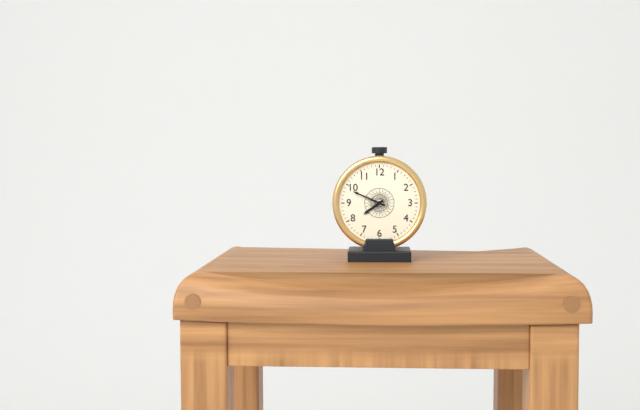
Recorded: 7 h 49 min
